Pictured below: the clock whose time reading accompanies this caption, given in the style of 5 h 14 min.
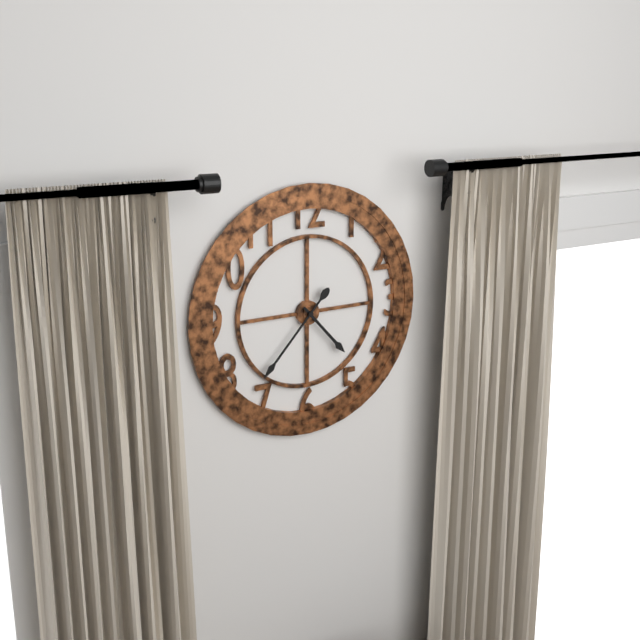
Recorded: 4 h 37 min
